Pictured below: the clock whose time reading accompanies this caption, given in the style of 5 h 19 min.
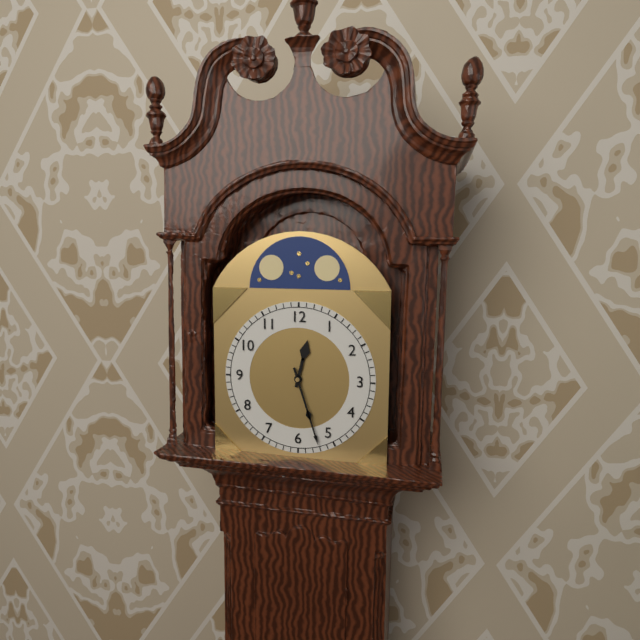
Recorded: 12 h 27 min
